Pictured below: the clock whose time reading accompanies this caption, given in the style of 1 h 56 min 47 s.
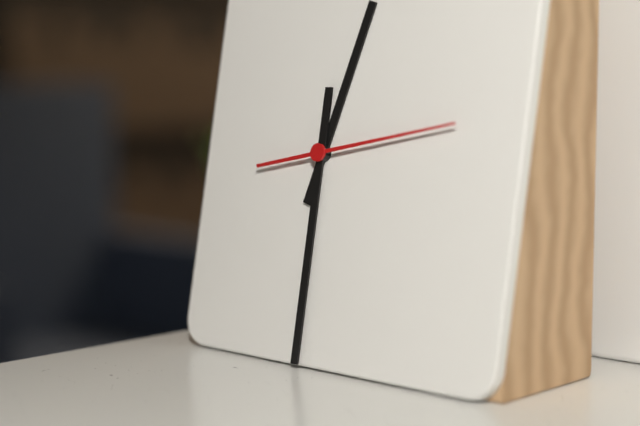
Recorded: 12 h 30 min 13 s
